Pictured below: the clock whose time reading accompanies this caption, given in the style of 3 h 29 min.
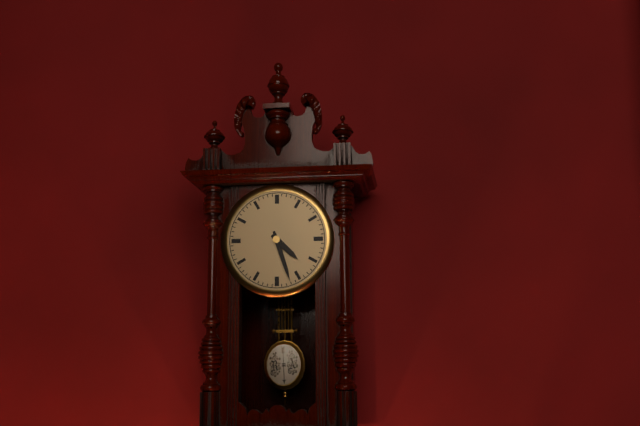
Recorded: 4 h 27 min
